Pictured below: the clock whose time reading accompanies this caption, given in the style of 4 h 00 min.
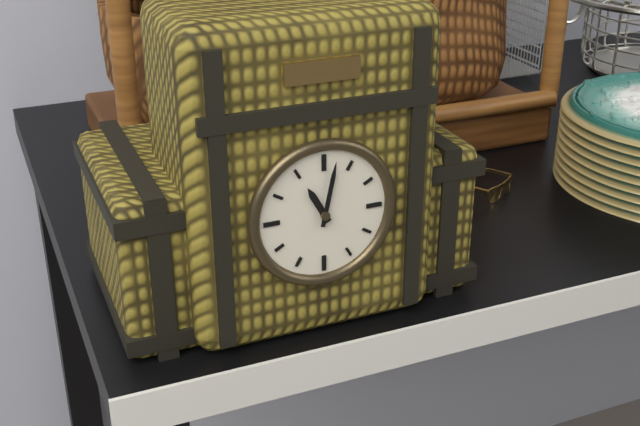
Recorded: 11 h 02 min
